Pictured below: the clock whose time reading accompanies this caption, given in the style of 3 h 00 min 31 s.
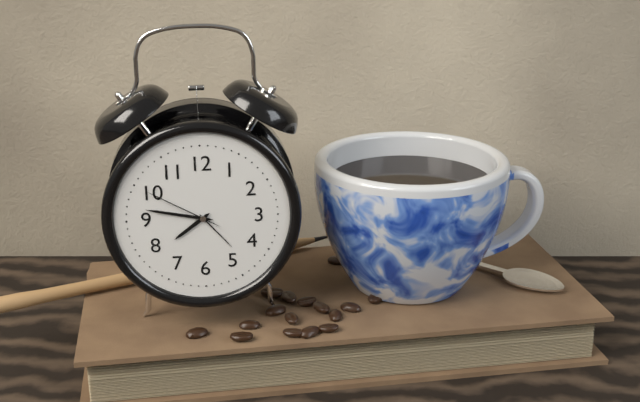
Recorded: 7 h 47 min 50 s
